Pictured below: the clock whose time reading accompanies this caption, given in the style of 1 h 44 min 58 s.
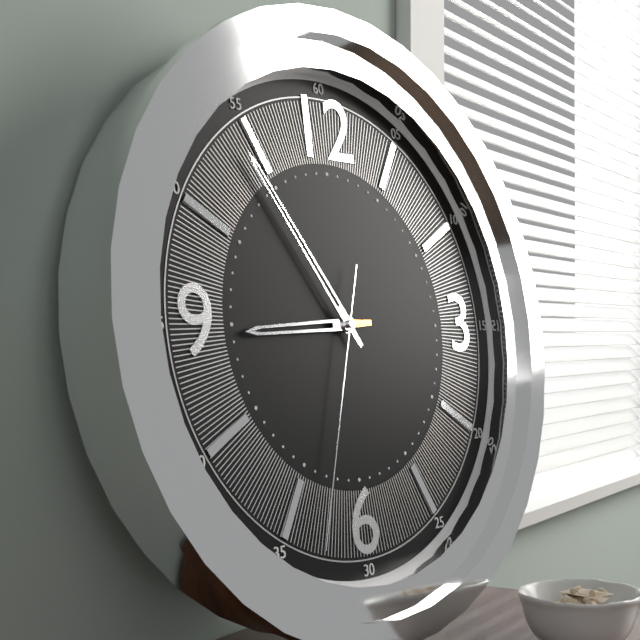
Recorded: 8 h 54 min 33 s
